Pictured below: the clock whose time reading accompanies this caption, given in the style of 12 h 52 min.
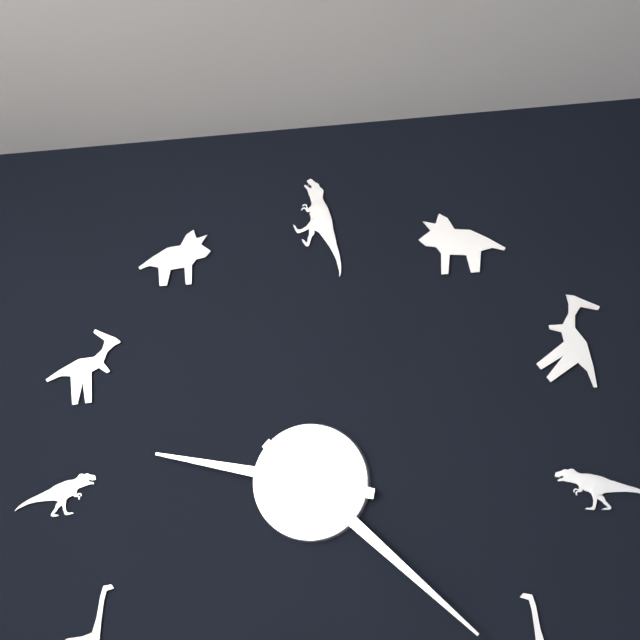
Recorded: 9 h 22 min
